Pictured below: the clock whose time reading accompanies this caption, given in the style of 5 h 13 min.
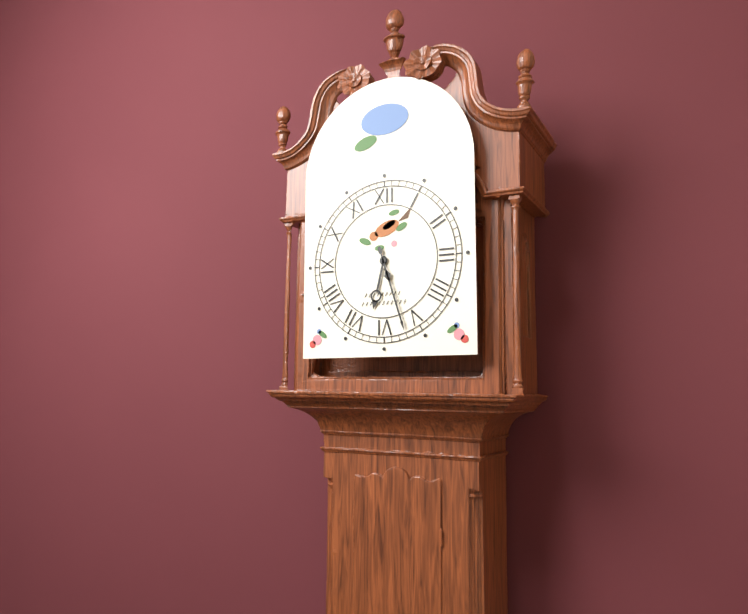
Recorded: 6 h 27 min
